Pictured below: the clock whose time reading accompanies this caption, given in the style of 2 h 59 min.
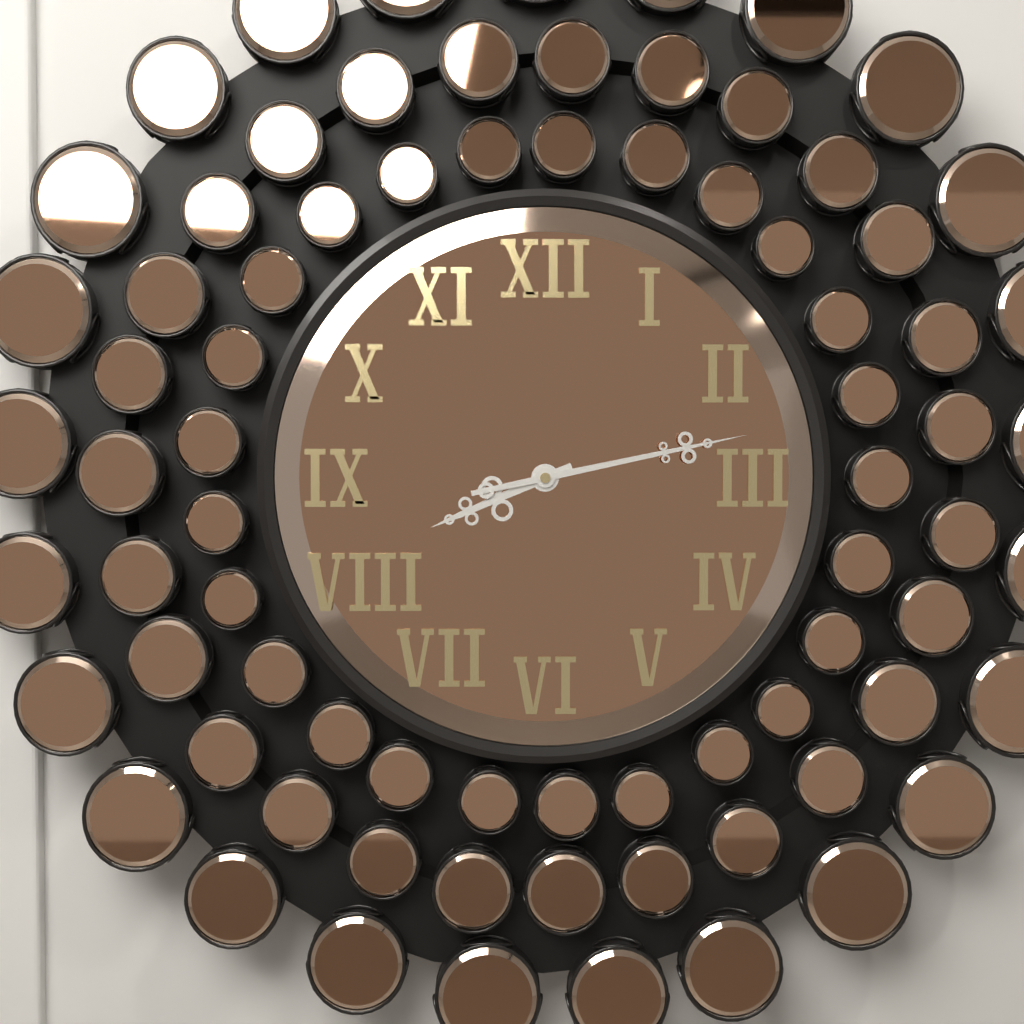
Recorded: 8 h 13 min
